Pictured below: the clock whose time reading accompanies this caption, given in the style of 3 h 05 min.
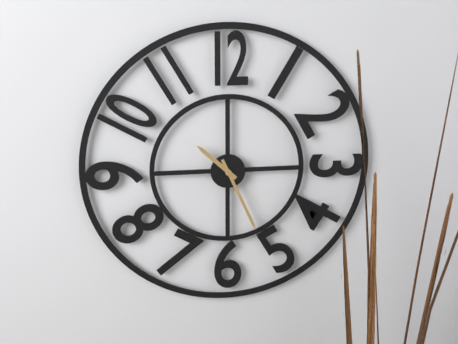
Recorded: 10 h 26 min
